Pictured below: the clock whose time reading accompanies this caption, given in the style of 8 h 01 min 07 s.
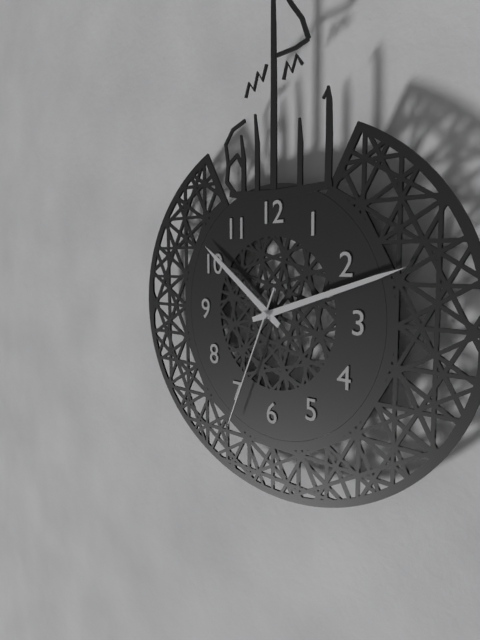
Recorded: 10 h 12 min 34 s
